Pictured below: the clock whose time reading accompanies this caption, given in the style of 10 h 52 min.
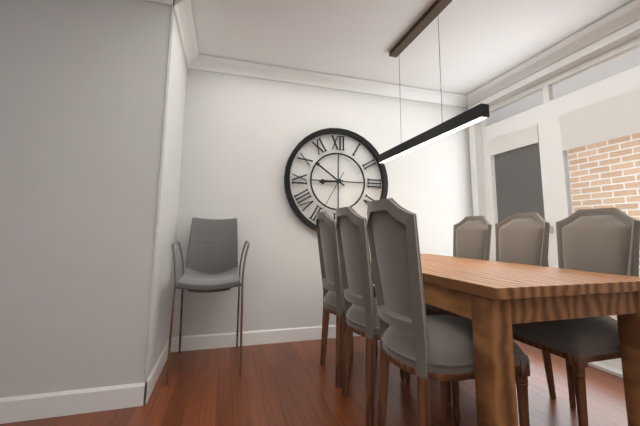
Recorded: 8 h 51 min
